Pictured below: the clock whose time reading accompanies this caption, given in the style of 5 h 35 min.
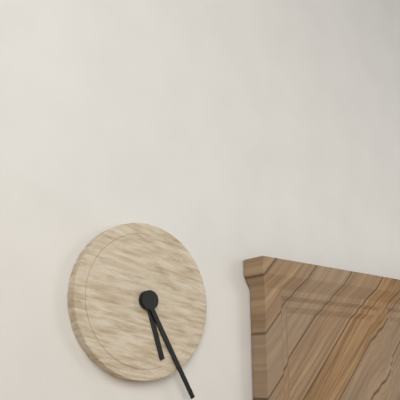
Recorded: 5 h 25 min
